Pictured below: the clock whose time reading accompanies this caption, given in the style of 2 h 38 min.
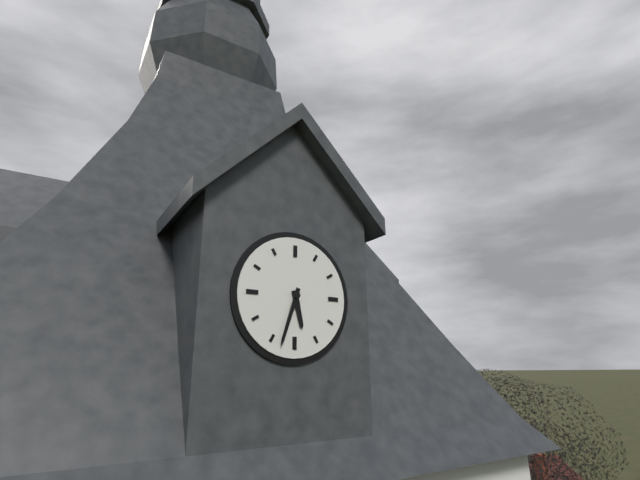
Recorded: 5 h 33 min
